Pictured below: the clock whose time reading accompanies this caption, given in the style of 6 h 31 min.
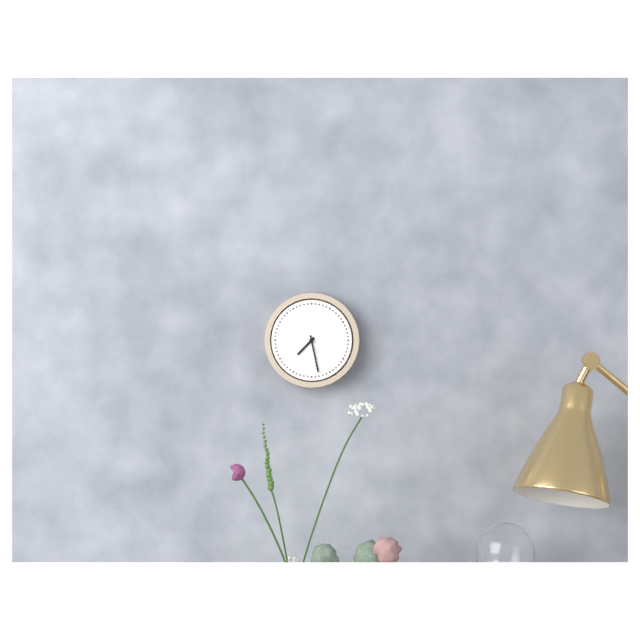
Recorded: 7 h 28 min
